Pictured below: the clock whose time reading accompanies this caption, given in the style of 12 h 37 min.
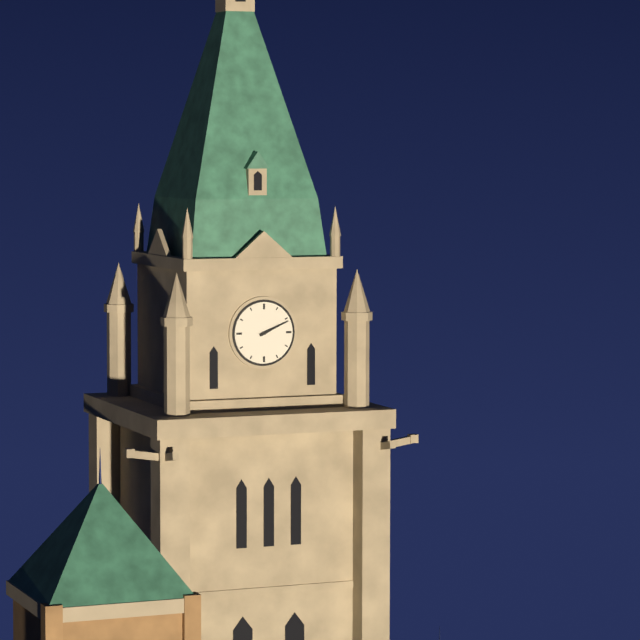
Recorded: 2 h 11 min
